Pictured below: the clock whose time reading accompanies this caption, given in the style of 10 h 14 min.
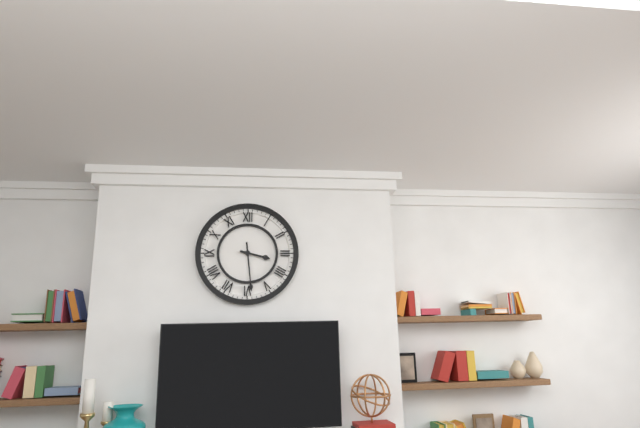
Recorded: 3 h 29 min
